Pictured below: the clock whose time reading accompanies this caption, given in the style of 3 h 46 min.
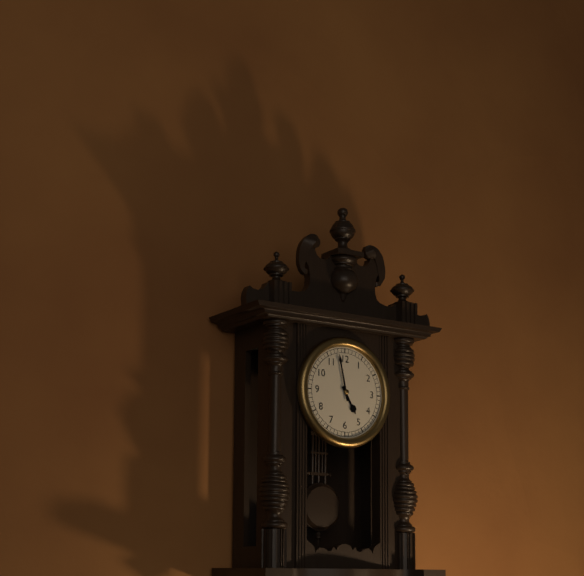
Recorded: 4 h 58 min
